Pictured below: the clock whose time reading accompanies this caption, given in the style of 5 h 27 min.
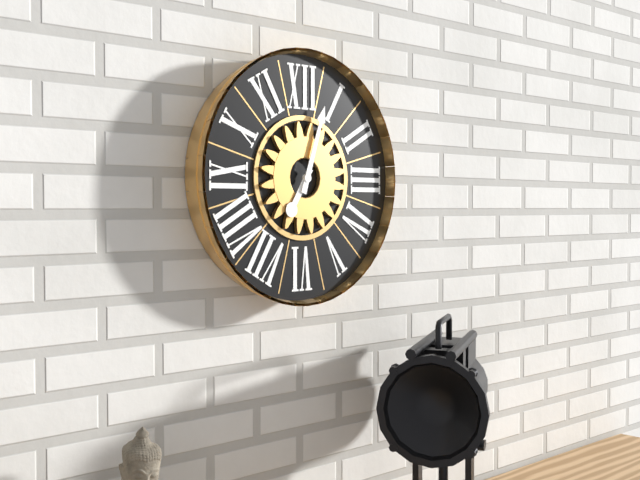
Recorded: 7 h 03 min
